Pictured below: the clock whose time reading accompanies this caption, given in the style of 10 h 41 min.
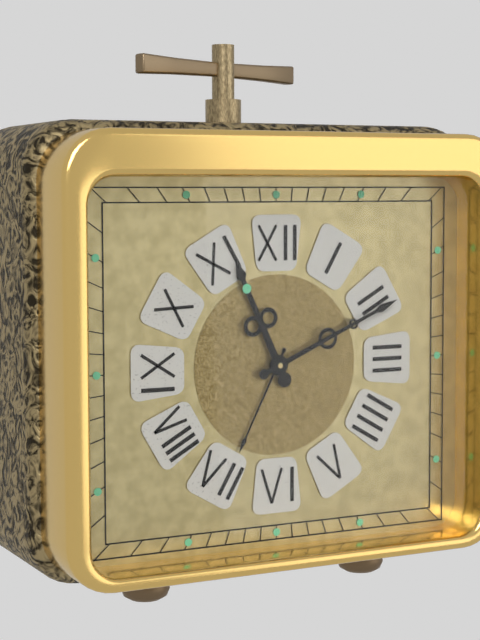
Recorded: 11 h 11 min
